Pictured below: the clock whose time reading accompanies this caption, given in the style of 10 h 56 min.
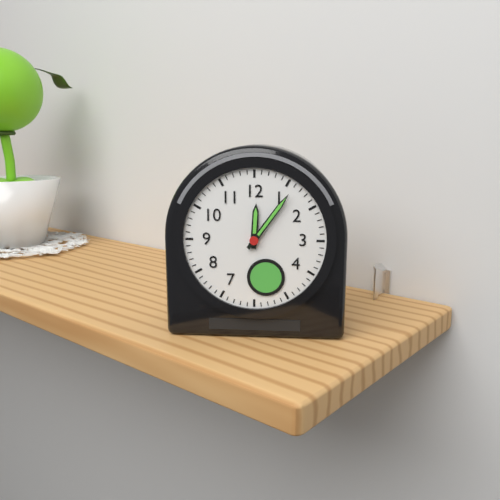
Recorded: 12 h 06 min
